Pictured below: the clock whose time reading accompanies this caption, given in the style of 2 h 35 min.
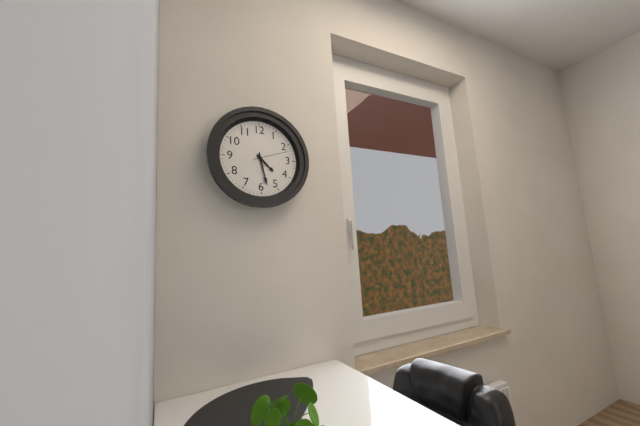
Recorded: 4 h 28 min
